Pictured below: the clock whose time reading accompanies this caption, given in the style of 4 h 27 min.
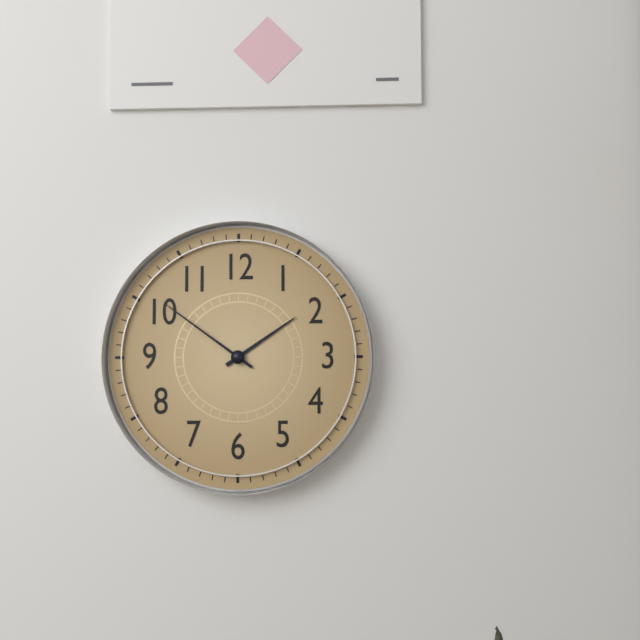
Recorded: 1 h 51 min
